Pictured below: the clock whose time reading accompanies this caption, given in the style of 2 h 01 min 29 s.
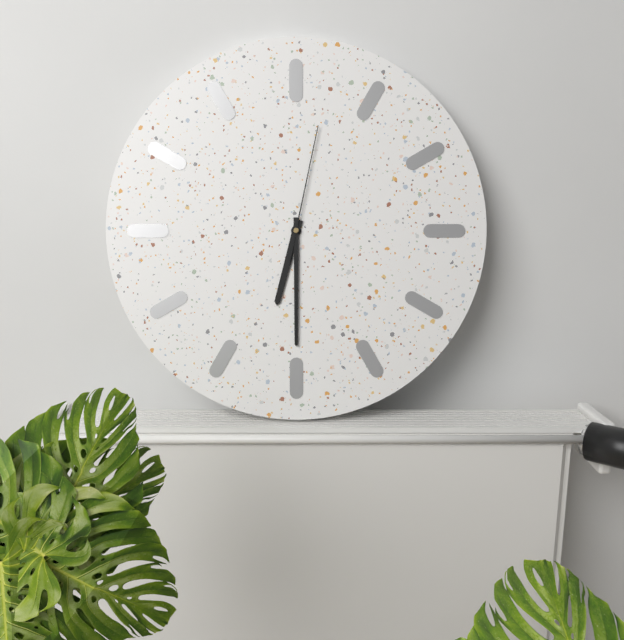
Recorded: 6 h 30 min 02 s
